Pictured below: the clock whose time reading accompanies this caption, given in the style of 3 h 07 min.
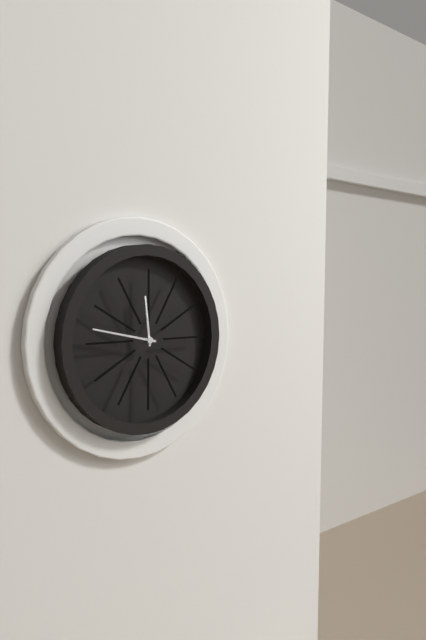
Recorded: 11 h 47 min
